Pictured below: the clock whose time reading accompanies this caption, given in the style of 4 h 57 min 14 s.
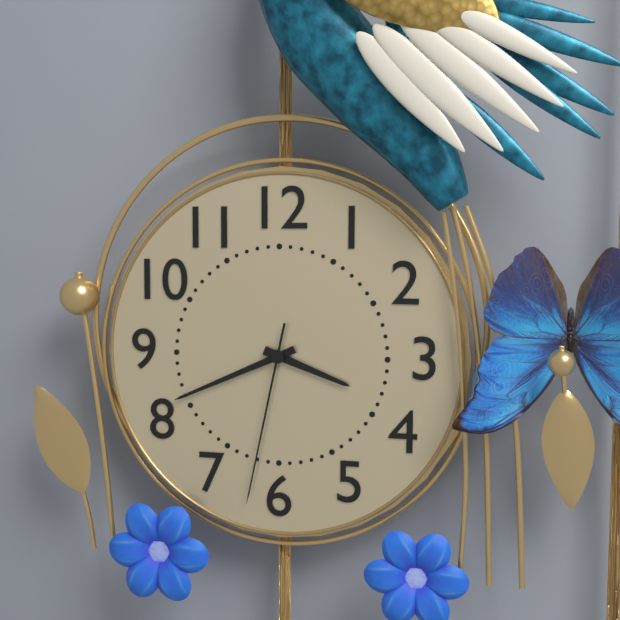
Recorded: 3 h 41 min 32 s
